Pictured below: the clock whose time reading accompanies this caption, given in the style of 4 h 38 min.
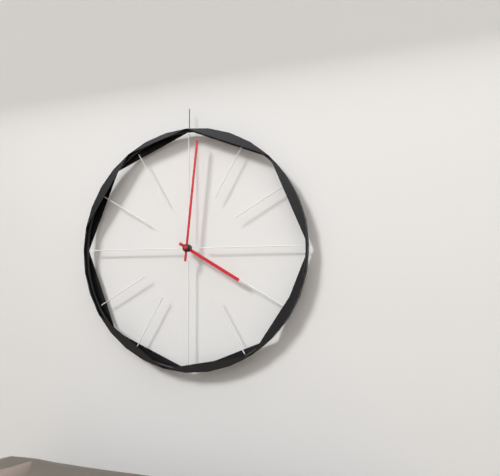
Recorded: 4 h 01 min
